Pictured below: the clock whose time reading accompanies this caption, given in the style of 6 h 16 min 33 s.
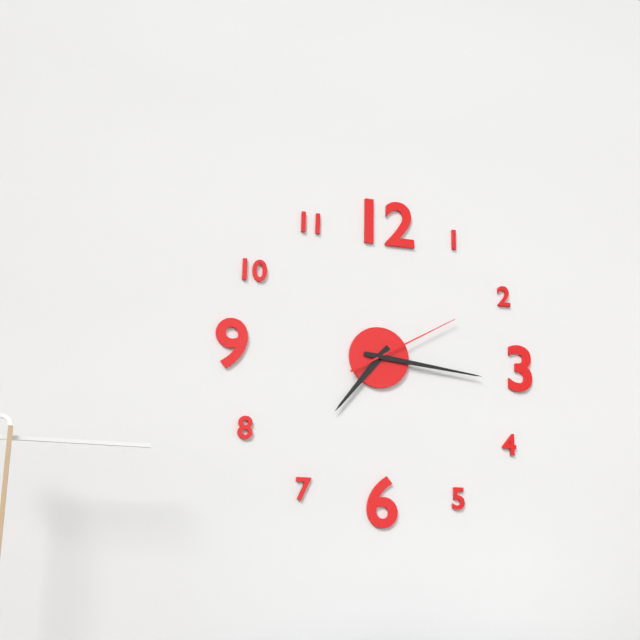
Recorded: 7 h 16 min 10 s
